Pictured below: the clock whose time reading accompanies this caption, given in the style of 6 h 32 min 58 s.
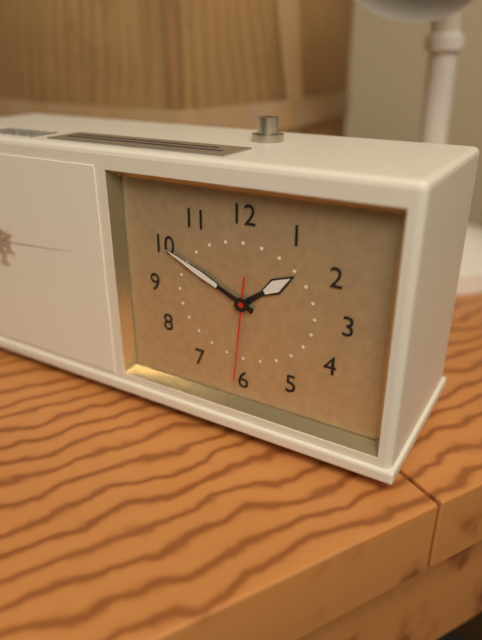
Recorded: 1 h 49 min 31 s
